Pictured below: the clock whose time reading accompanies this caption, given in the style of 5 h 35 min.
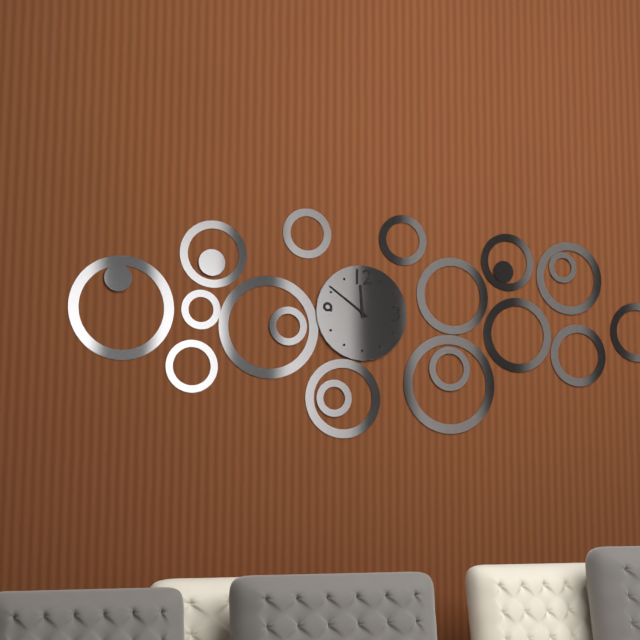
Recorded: 11 h 51 min
